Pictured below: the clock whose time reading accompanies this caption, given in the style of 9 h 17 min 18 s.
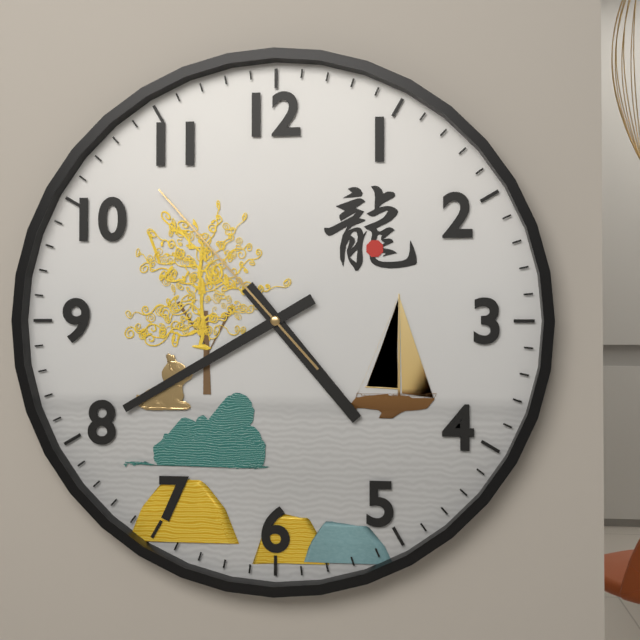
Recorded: 4 h 40 min 53 s
